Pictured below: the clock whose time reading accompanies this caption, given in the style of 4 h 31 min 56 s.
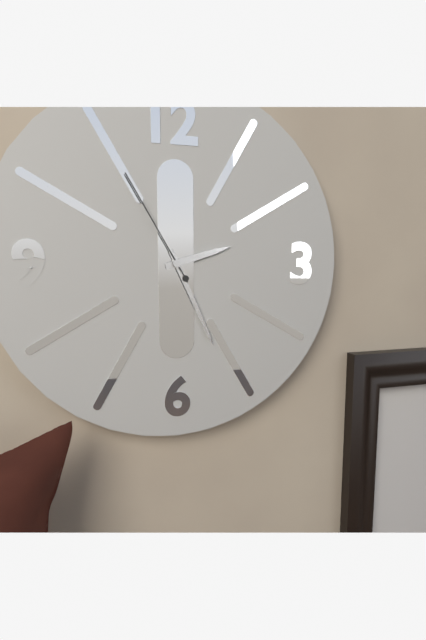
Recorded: 2 h 26 min 55 s
